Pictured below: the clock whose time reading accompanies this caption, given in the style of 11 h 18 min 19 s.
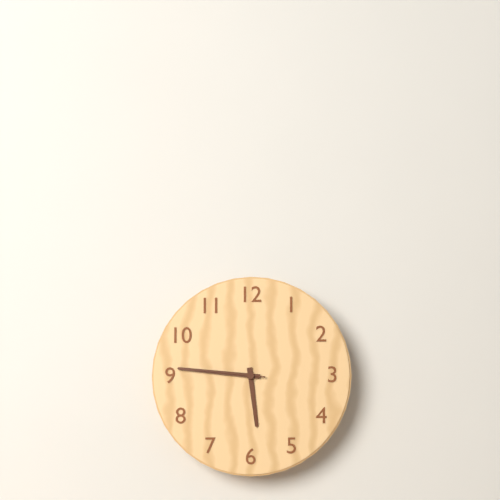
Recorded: 5 h 46 min 46 s
